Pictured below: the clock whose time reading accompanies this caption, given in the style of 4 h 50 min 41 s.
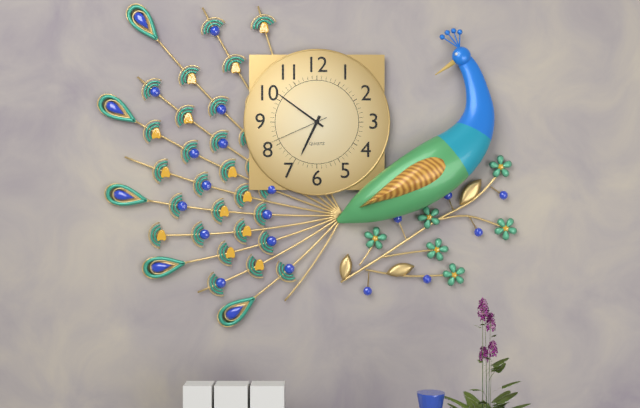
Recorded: 6 h 51 min 41 s
